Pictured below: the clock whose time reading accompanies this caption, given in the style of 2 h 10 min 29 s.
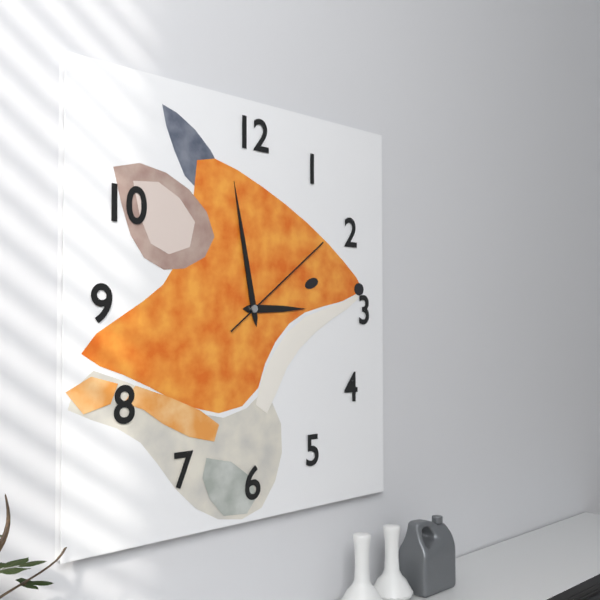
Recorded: 2 h 58 min 09 s
